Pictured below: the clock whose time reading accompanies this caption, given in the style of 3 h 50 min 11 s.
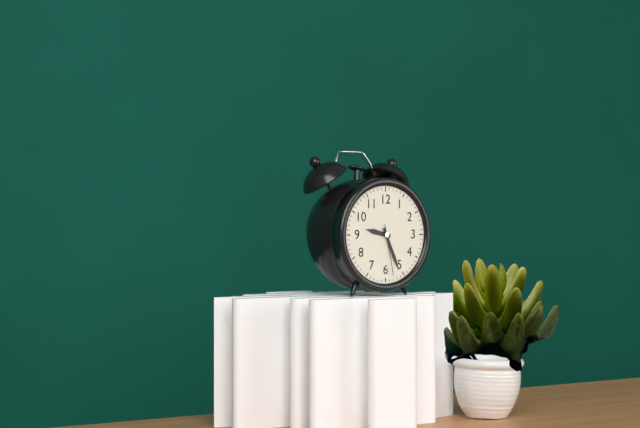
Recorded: 9 h 26 min 28 s
